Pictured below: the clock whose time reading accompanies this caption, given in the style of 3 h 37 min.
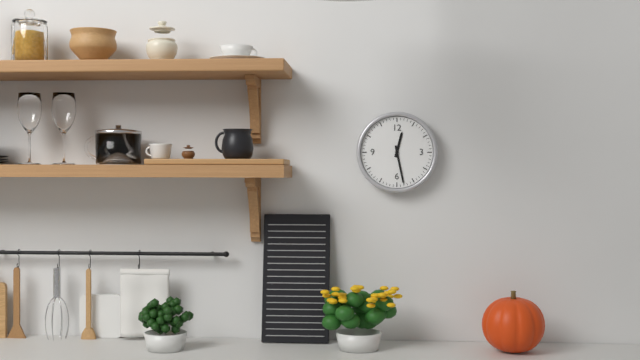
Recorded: 12 h 28 min
